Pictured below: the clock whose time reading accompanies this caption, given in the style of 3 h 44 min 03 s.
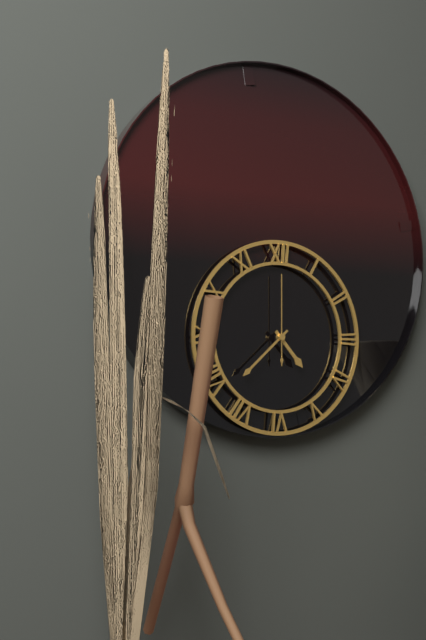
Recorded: 4 h 38 min 00 s
